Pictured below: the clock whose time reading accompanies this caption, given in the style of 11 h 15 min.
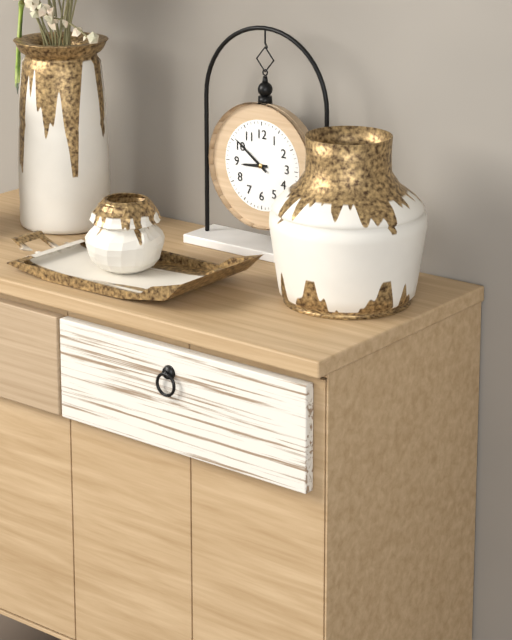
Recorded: 8 h 51 min
